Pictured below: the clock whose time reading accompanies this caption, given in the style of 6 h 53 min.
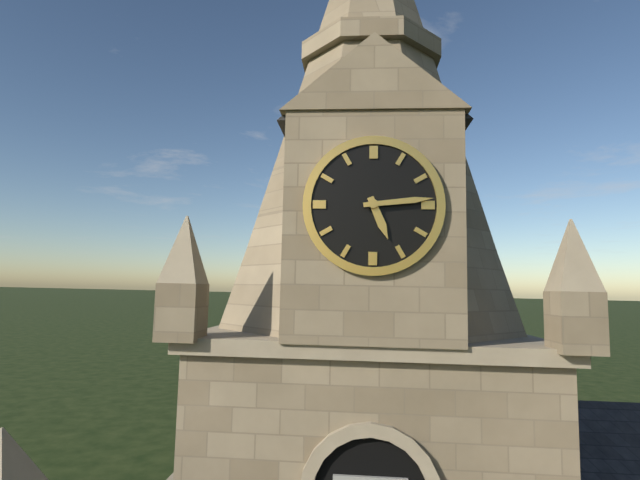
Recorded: 5 h 14 min
